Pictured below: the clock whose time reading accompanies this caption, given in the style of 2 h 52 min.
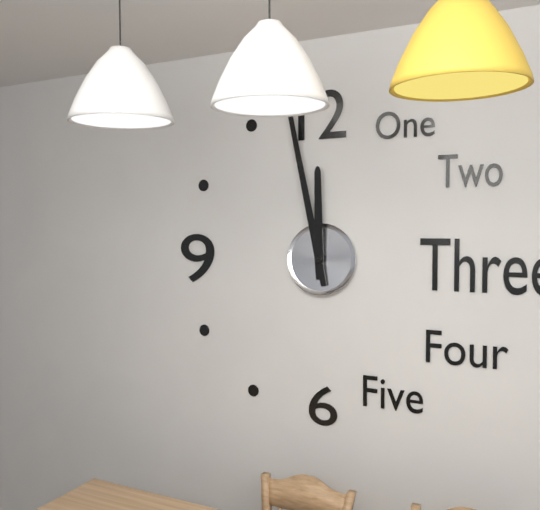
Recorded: 11 h 58 min
